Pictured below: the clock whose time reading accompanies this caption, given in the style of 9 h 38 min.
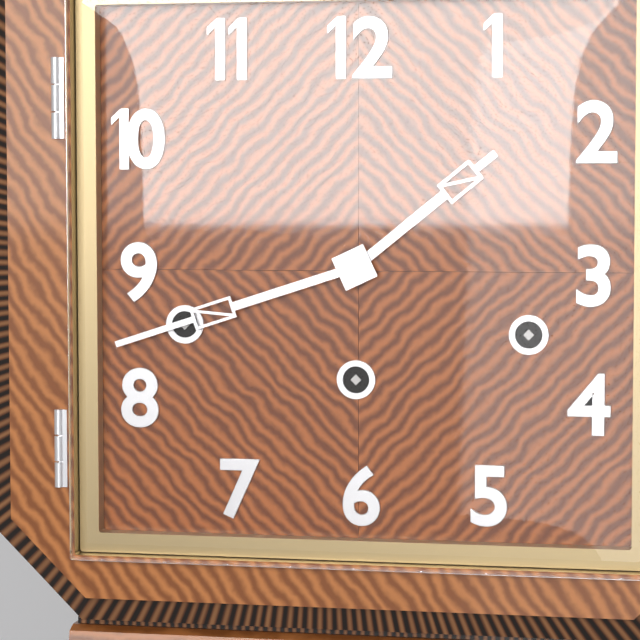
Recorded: 1 h 42 min
